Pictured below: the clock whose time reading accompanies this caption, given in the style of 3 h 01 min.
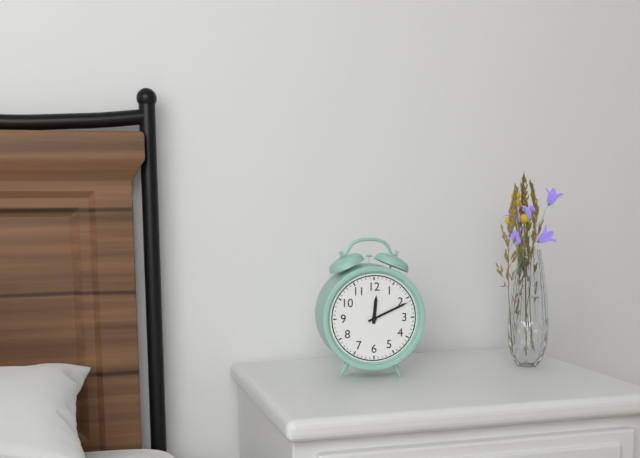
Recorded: 12 h 11 min
